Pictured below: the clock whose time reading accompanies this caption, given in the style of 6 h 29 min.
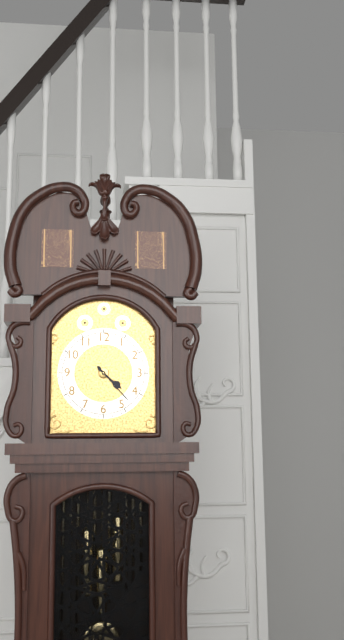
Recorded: 4 h 23 min
